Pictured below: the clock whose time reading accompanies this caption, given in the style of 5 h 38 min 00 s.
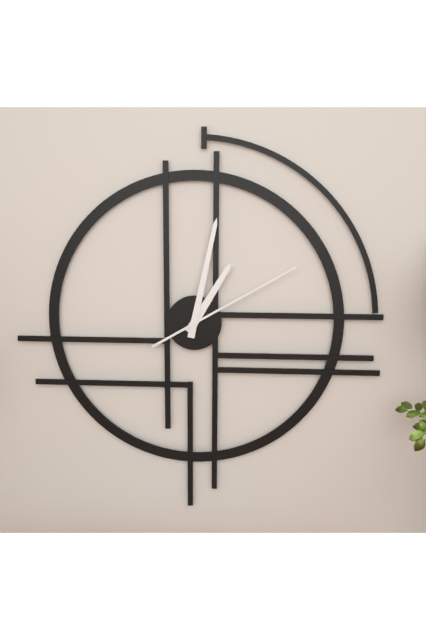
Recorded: 1 h 02 min 10 s
